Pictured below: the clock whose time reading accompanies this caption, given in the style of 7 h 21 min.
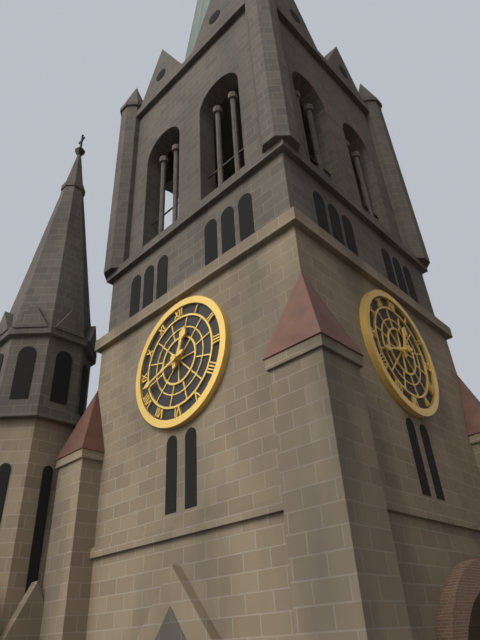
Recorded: 12 h 42 min
